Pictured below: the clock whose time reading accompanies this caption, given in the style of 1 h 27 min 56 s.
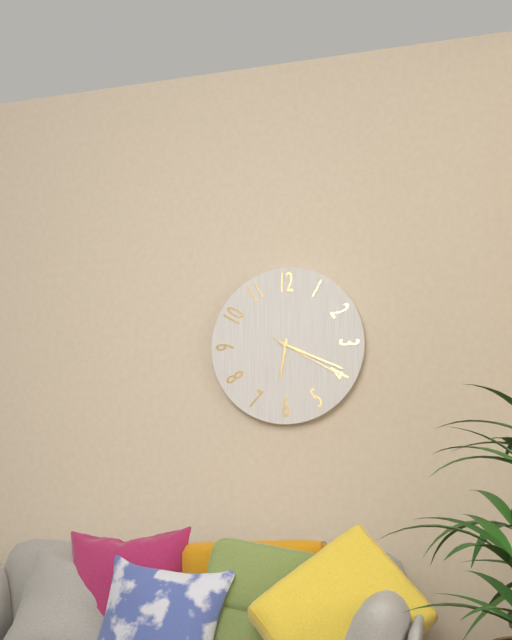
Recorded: 6 h 19 min 20 s
